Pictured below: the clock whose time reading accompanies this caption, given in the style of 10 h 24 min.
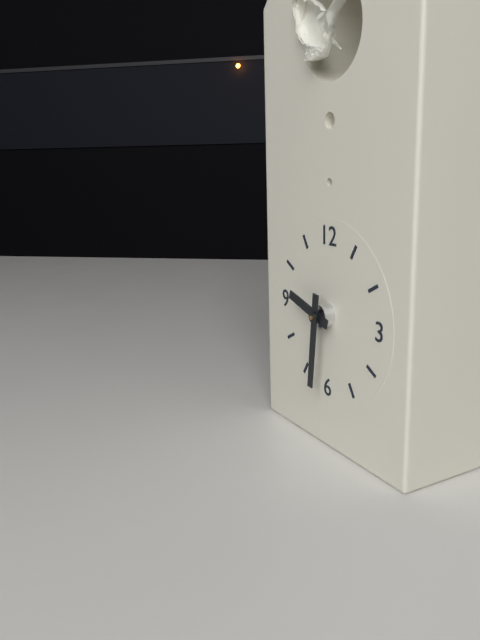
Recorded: 9 h 31 min
